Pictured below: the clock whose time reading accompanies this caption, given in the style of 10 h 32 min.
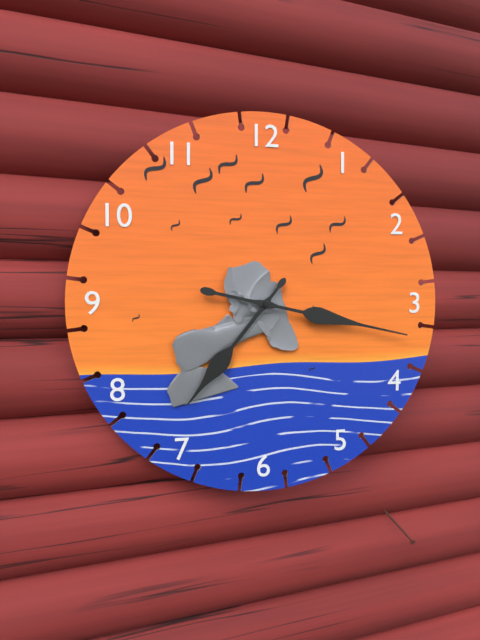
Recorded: 7 h 17 min
